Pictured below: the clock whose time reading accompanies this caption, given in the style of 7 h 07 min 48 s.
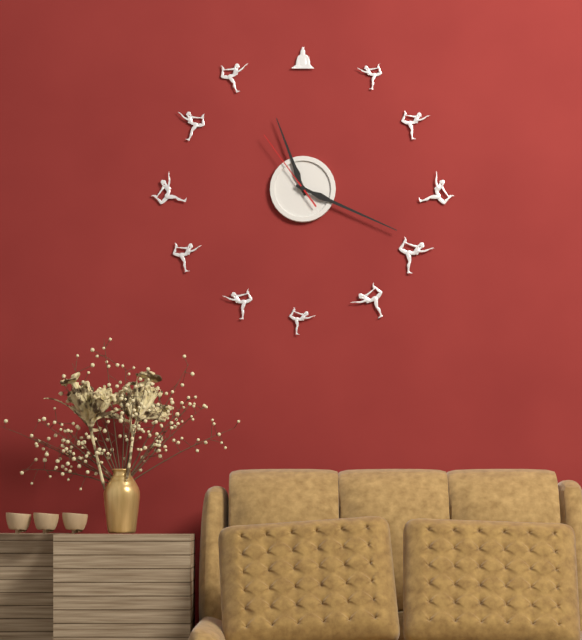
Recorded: 11 h 19 min 54 s
